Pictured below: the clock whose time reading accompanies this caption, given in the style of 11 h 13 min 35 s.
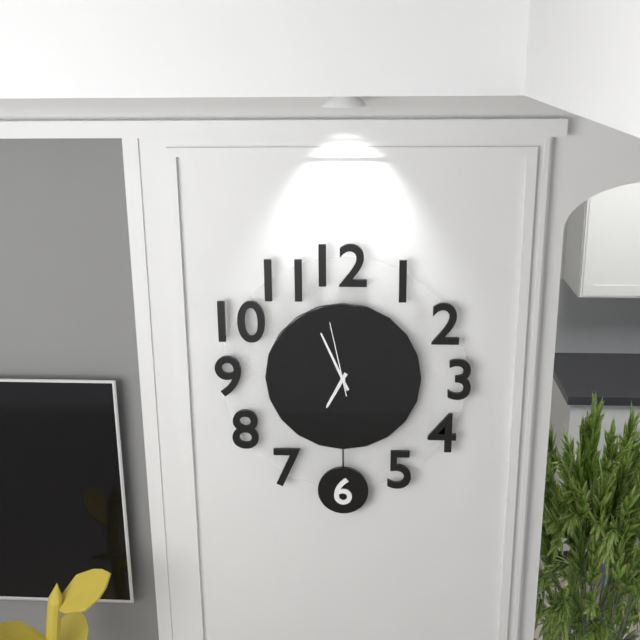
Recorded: 6 h 56 min 58 s
